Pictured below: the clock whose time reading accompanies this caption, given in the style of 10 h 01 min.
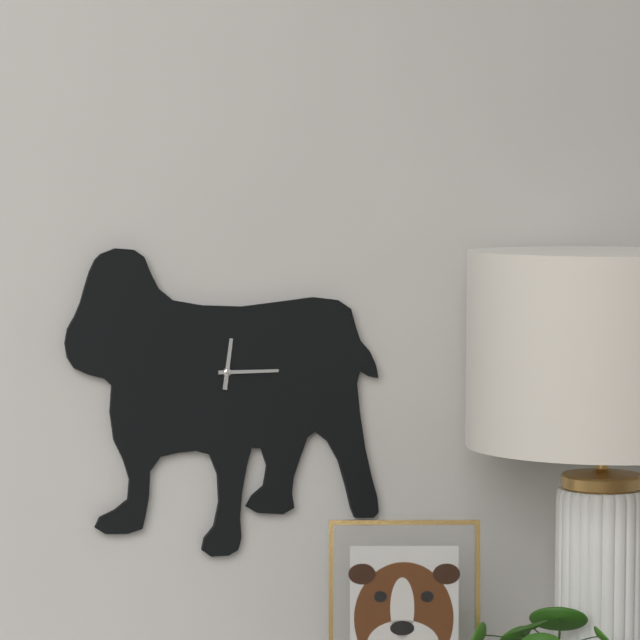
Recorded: 12 h 15 min
